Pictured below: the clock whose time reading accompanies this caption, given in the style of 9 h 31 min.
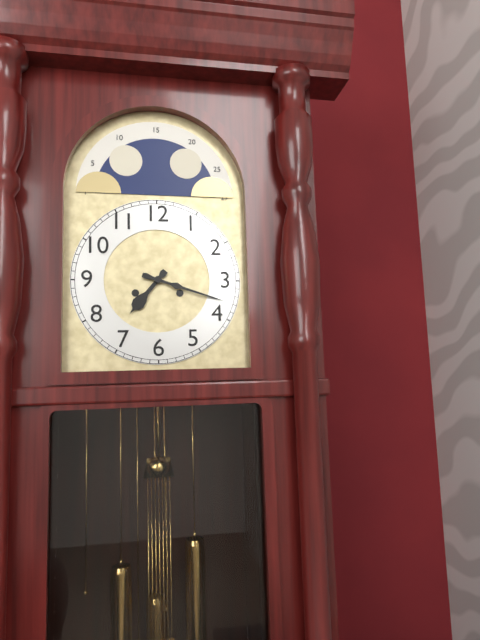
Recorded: 7 h 18 min
